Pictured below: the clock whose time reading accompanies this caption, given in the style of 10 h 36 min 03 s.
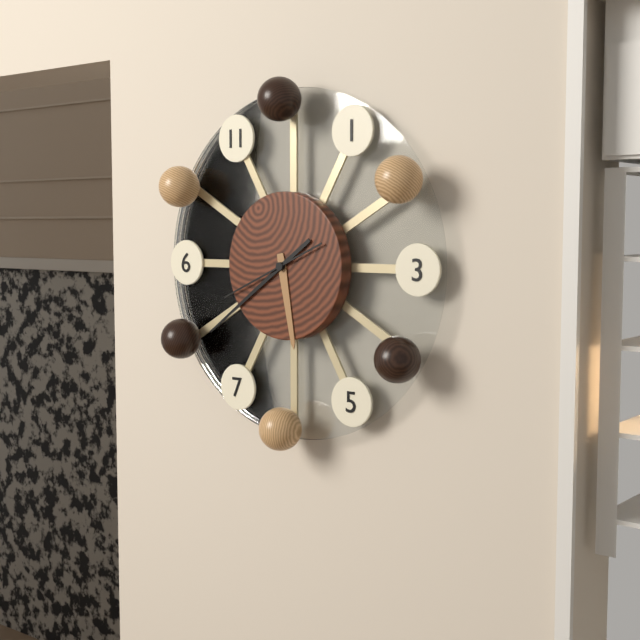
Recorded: 5 h 39 min 41 s
